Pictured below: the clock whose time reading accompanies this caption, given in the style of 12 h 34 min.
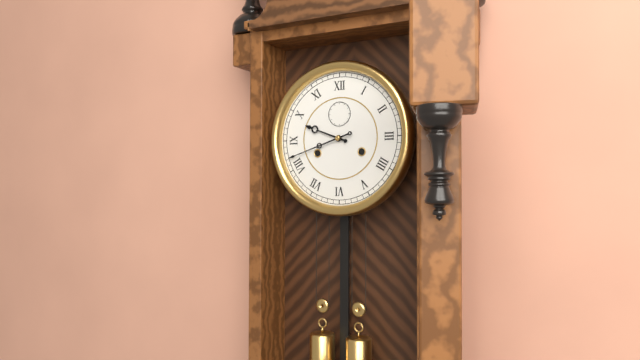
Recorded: 9 h 42 min
